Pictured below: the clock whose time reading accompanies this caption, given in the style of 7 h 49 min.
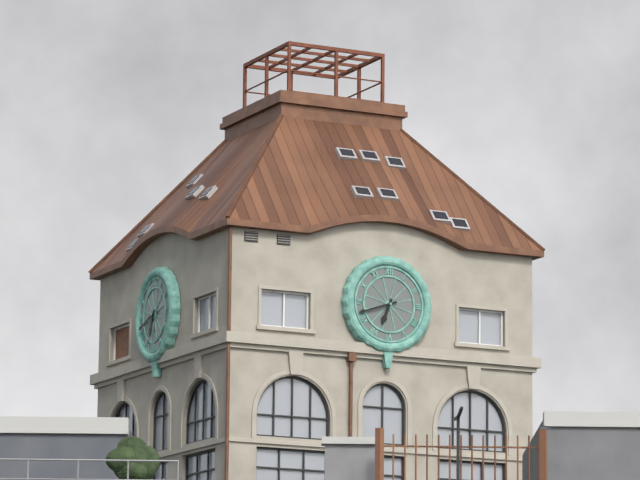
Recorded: 6 h 42 min
